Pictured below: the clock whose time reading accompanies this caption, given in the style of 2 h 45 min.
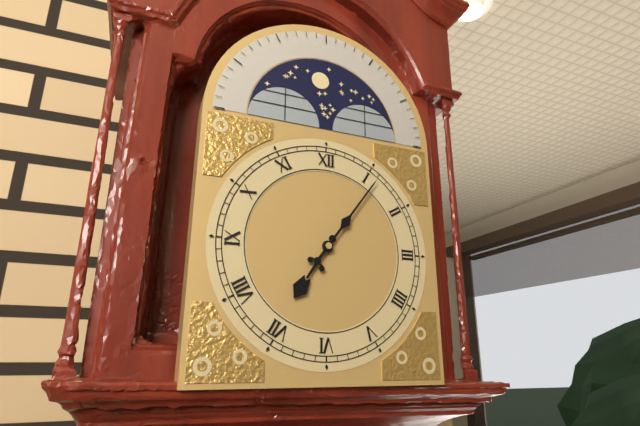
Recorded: 7 h 06 min
